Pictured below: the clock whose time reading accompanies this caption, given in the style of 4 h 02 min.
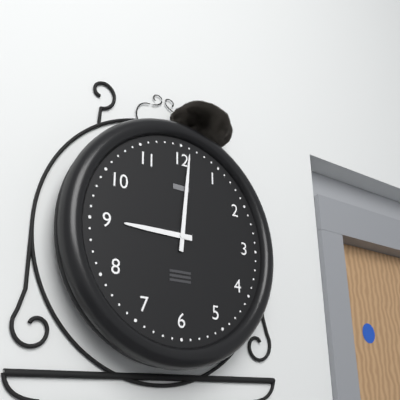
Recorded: 9 h 01 min
